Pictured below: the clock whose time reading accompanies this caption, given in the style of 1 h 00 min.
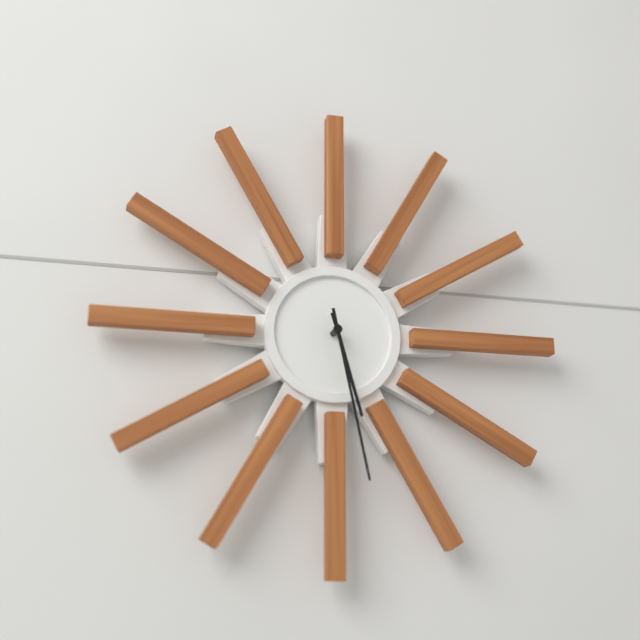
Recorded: 5 h 28 min
